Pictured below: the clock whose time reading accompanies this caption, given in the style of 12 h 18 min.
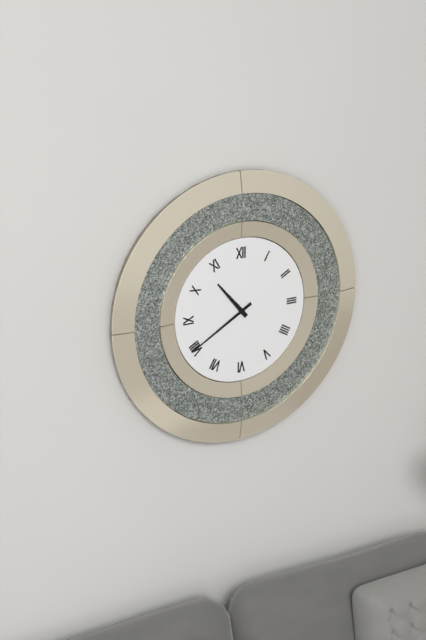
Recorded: 10 h 40 min
